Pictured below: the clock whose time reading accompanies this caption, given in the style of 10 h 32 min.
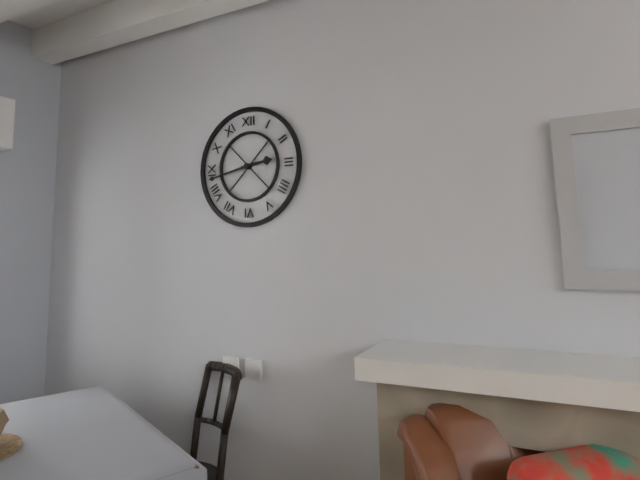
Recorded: 2 h 43 min
